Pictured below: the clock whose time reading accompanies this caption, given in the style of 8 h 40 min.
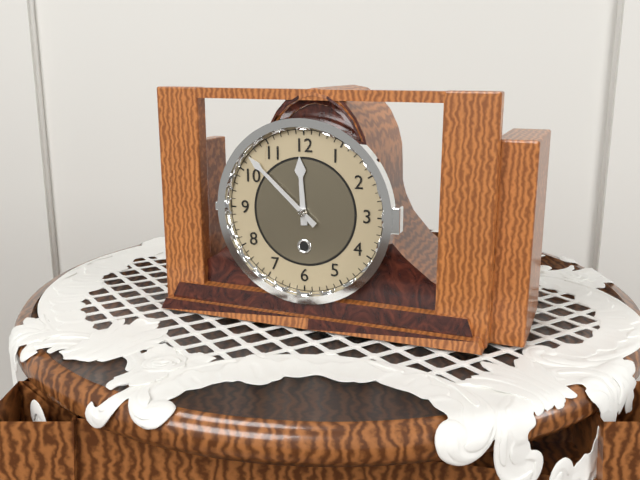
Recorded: 11 h 52 min
